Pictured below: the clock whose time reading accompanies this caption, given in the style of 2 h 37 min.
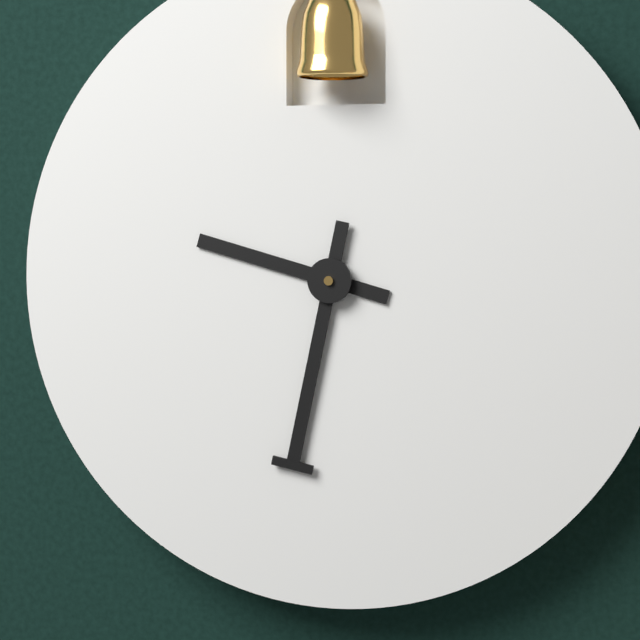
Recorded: 9 h 32 min
